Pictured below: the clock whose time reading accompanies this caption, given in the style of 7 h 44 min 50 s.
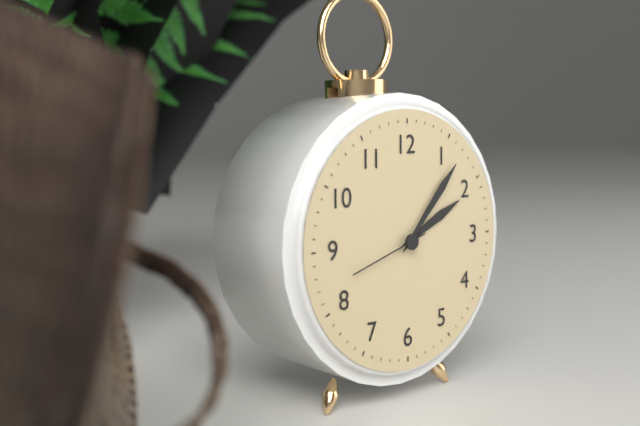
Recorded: 2 h 07 min 42 s
